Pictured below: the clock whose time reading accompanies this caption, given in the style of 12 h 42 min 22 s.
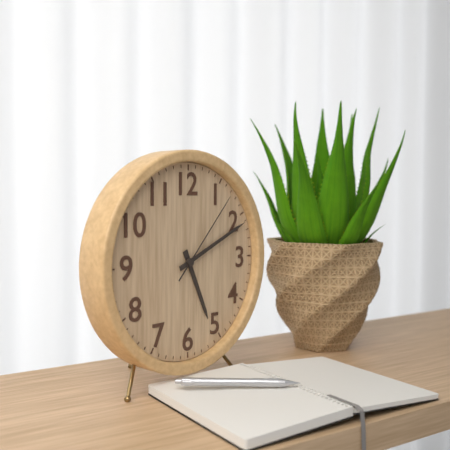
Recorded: 5 h 11 min 07 s
